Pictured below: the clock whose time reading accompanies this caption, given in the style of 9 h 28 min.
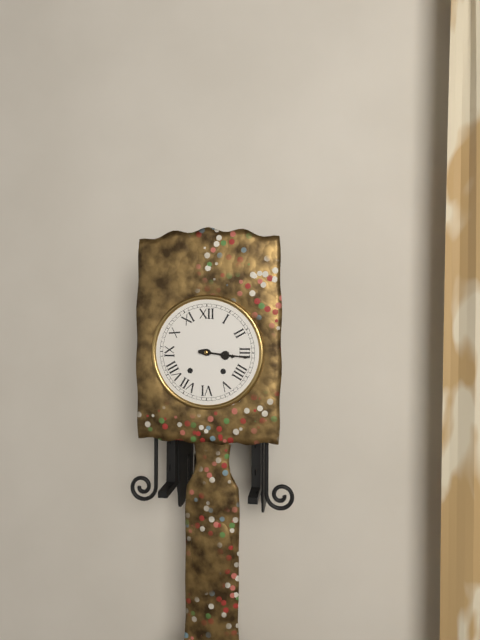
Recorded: 3 h 16 min
